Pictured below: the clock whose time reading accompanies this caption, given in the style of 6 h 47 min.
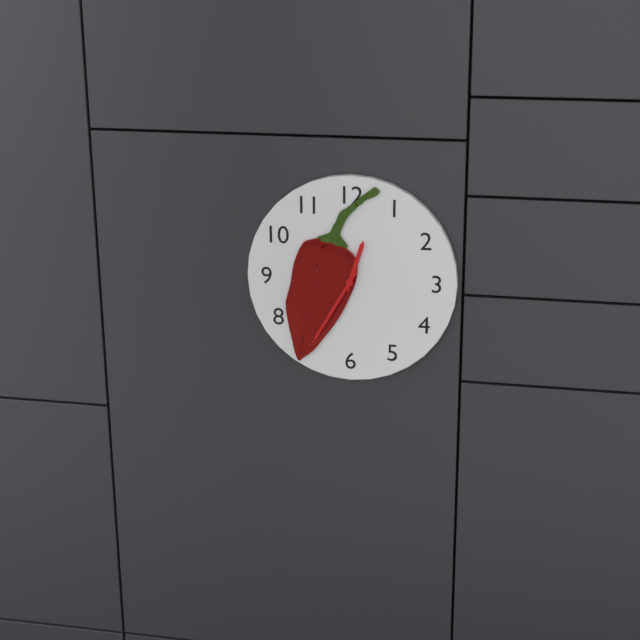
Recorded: 12 h 35 min
